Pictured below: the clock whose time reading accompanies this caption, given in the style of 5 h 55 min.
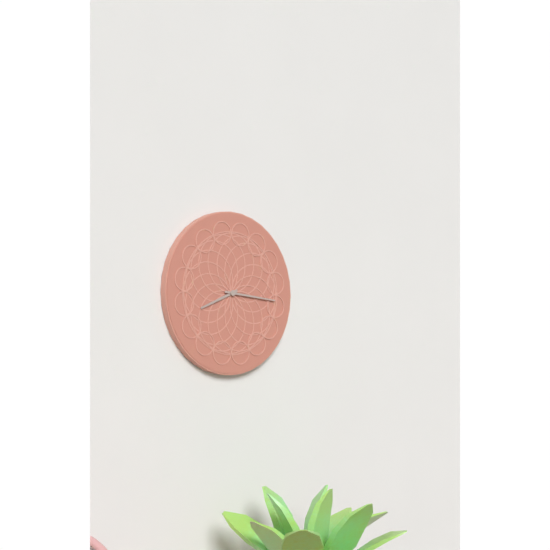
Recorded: 8 h 16 min
